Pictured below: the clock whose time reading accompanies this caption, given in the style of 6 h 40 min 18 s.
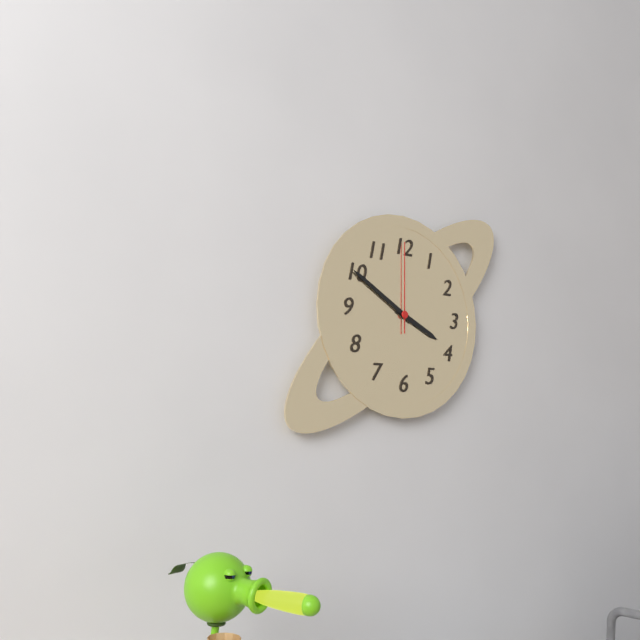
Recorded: 3 h 50 min 00 s
